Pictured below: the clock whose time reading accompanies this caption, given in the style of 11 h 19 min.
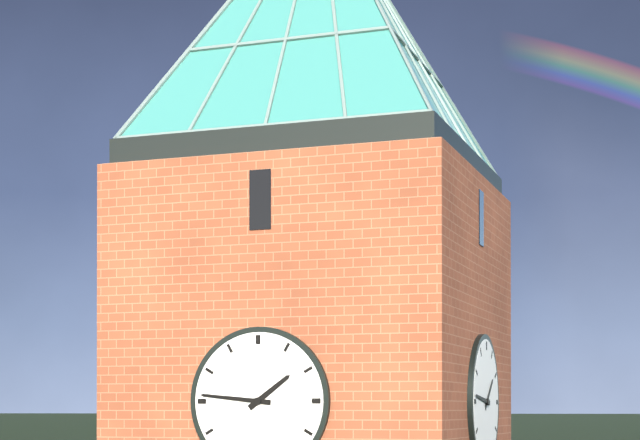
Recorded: 1 h 46 min
